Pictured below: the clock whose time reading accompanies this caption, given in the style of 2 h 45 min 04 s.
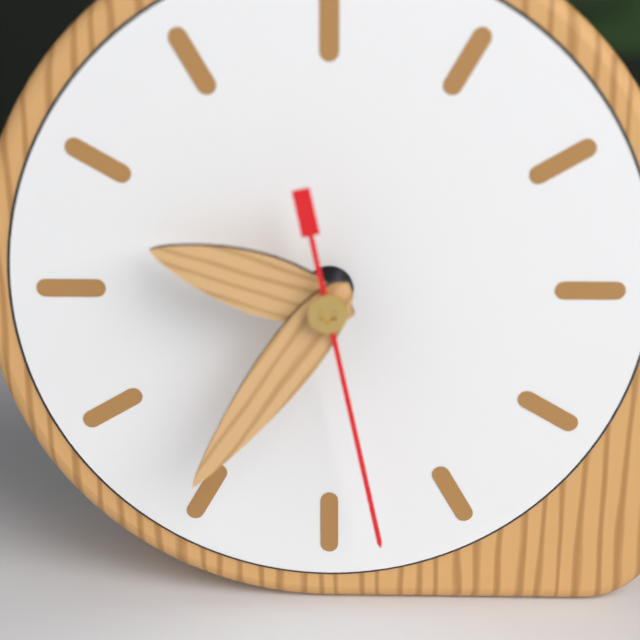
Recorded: 9 h 36 min 28 s
